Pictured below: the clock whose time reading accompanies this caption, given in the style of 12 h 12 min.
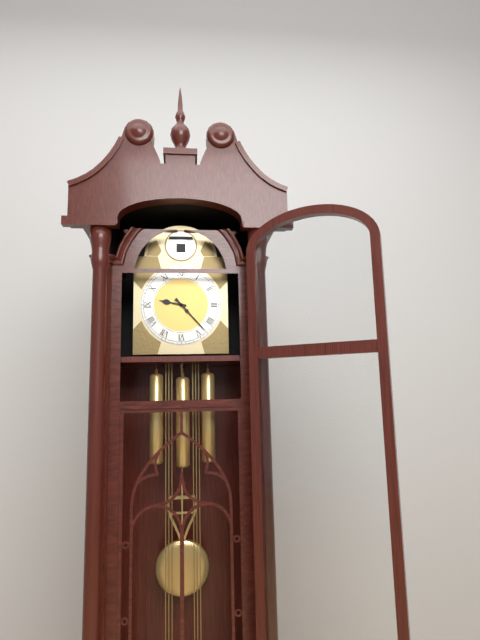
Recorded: 9 h 23 min
